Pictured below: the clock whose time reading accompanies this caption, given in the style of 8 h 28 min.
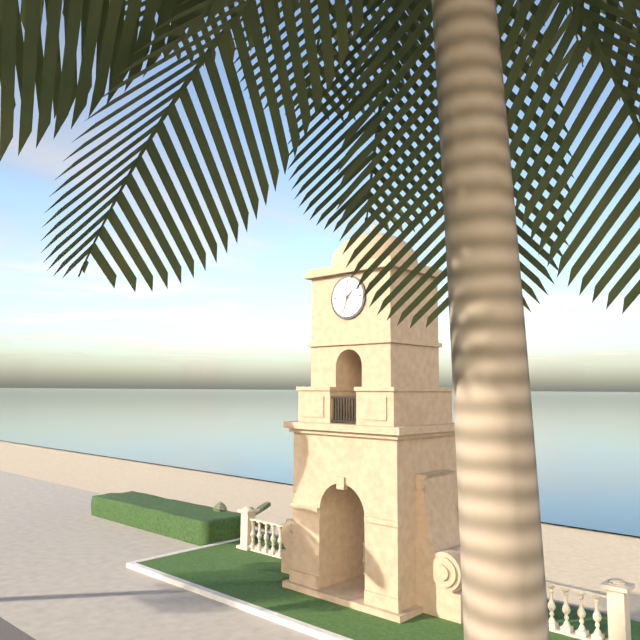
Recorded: 1 h 33 min
